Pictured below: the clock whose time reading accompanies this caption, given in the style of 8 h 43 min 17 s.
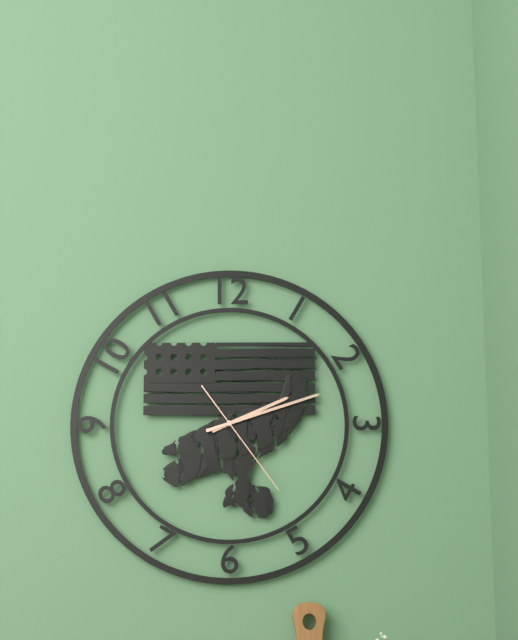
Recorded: 2 h 12 min 24 s
